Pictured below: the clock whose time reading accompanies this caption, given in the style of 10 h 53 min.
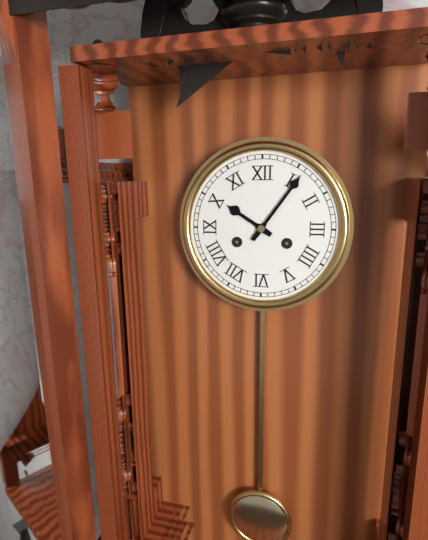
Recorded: 10 h 06 min
